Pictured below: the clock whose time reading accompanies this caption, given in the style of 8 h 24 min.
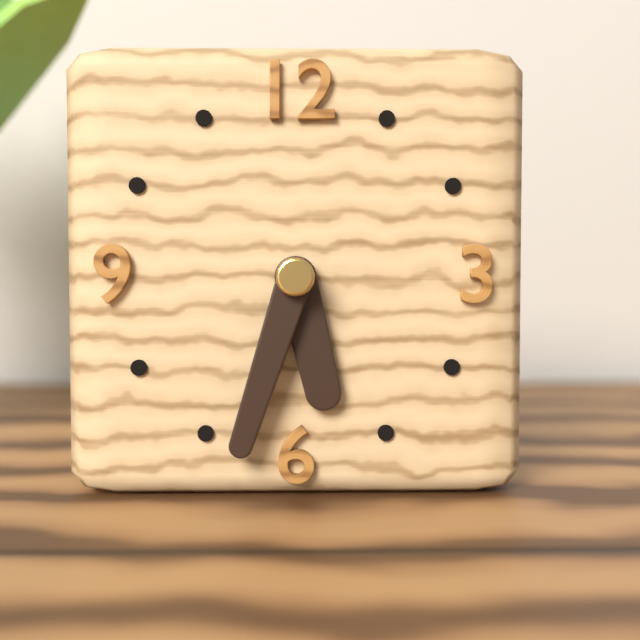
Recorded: 5 h 33 min
